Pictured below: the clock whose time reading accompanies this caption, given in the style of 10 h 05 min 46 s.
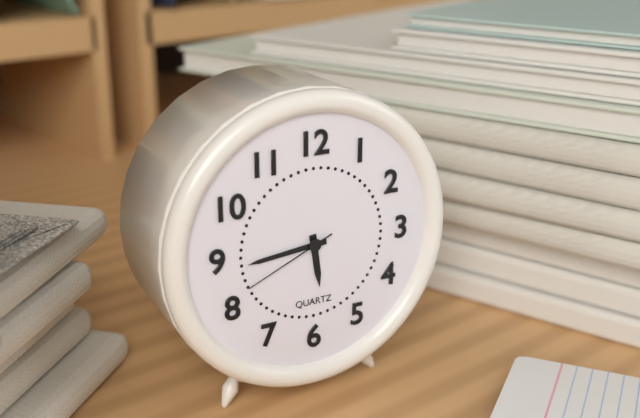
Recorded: 5 h 44 min 41 s
